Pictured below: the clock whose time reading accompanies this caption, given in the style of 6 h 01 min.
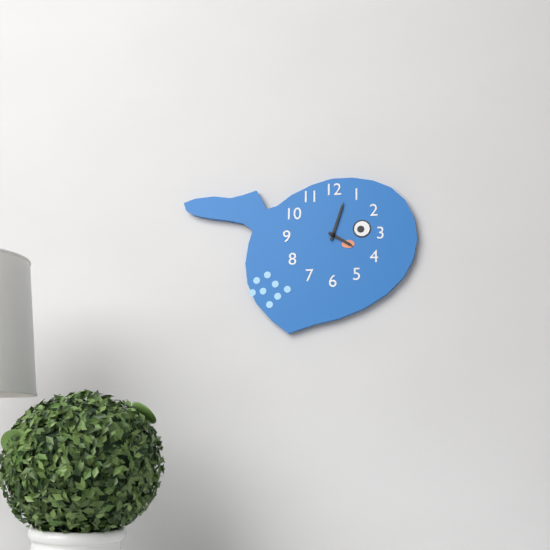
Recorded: 4 h 03 min
